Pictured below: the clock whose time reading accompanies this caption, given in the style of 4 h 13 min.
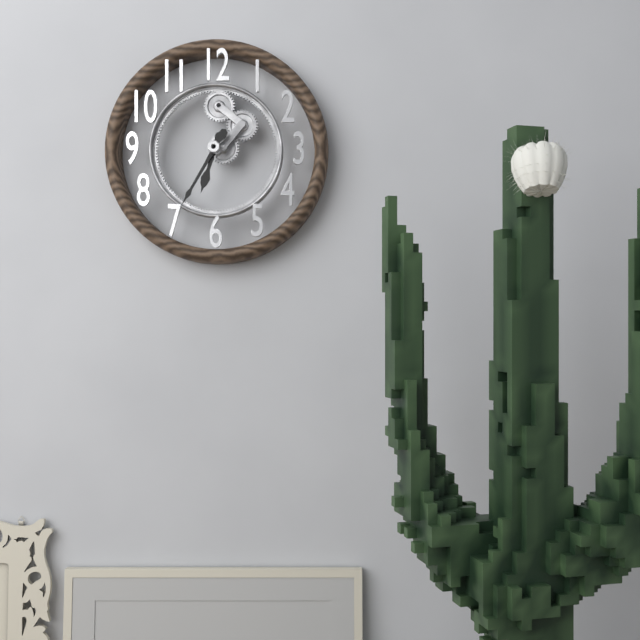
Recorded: 6 h 35 min
